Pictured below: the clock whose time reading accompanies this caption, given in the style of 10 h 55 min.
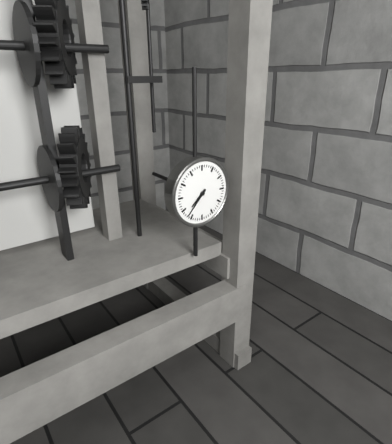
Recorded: 7 h 37 min
